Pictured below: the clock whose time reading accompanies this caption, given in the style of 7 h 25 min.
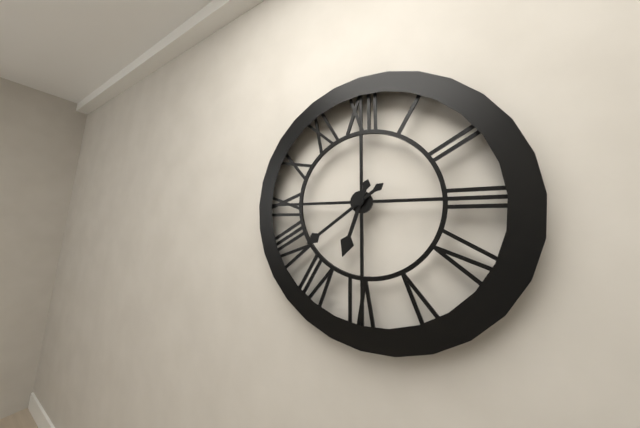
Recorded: 6 h 39 min
